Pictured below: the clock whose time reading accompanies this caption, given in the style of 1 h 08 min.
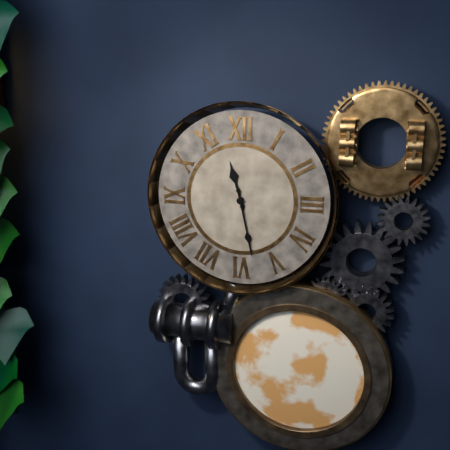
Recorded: 11 h 28 min
